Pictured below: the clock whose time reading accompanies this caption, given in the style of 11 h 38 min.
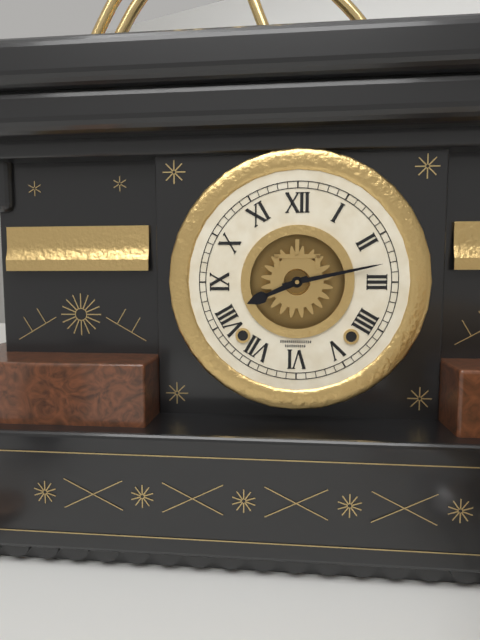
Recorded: 8 h 13 min
